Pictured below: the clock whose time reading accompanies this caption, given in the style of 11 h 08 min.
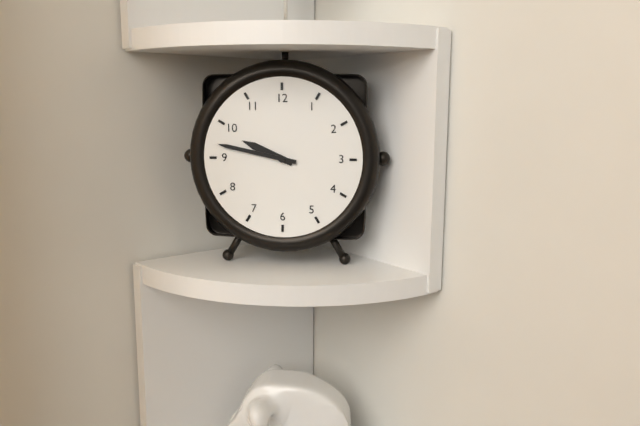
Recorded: 9 h 47 min
